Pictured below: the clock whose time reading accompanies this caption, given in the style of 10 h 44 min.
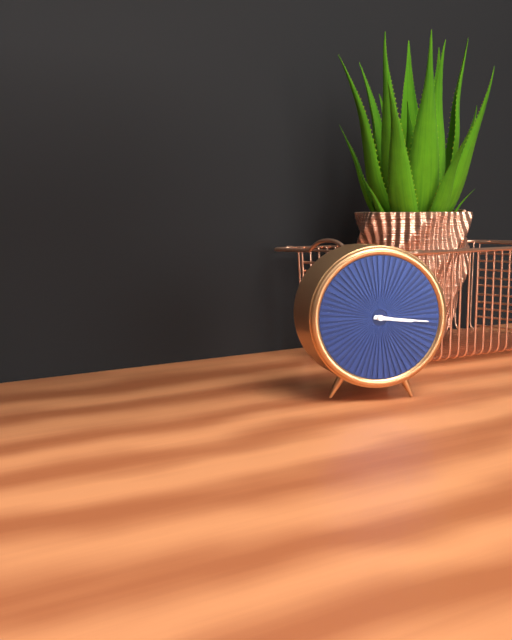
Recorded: 3 h 16 min
